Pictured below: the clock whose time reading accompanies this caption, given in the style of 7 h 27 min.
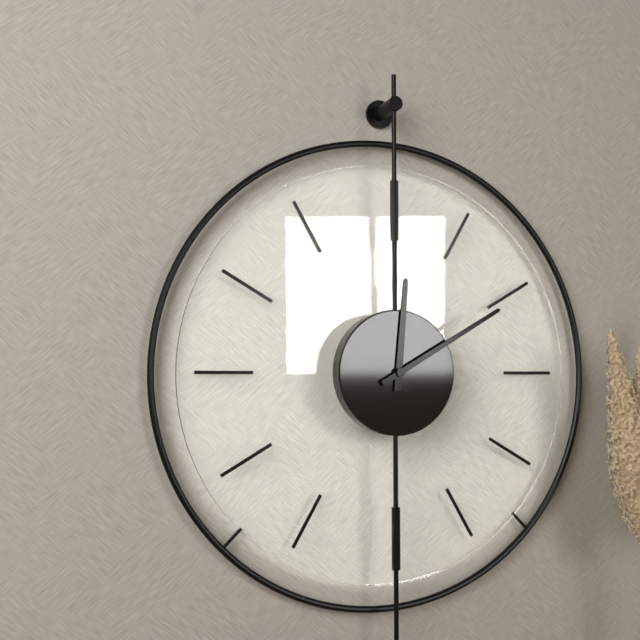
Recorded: 12 h 10 min
